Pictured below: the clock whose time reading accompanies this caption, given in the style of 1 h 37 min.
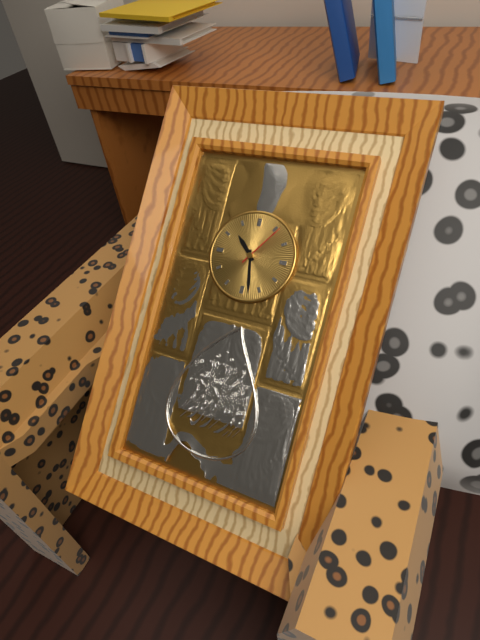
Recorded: 10 h 28 min
